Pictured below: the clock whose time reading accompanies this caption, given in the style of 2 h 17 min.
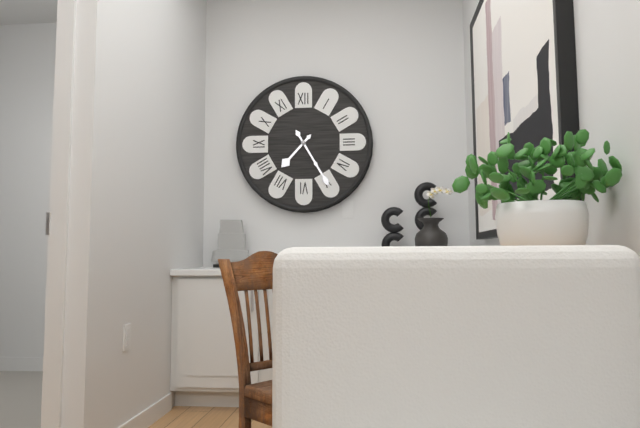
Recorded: 7 h 25 min
